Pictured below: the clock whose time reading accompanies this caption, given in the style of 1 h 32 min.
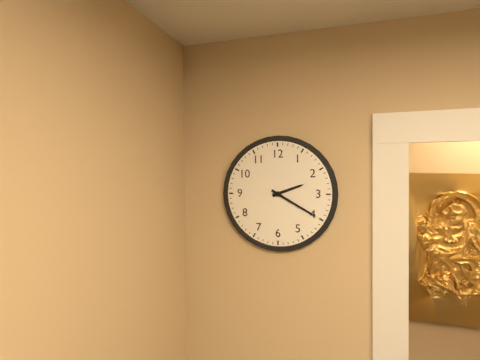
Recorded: 2 h 20 min
